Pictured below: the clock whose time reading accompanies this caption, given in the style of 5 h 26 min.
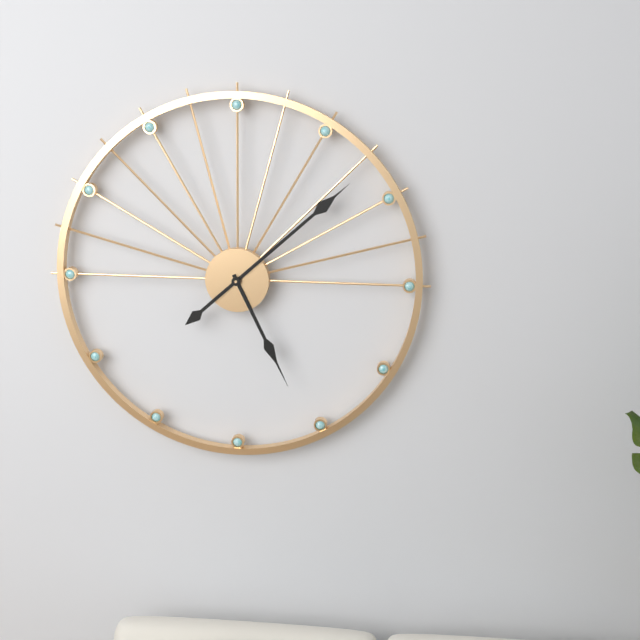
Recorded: 5 h 08 min
